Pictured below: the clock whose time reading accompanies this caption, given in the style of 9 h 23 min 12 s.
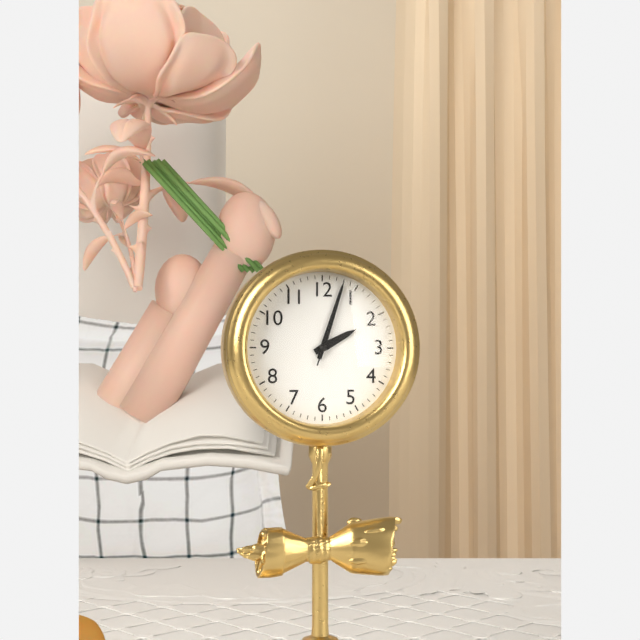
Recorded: 2 h 03 min 03 s
